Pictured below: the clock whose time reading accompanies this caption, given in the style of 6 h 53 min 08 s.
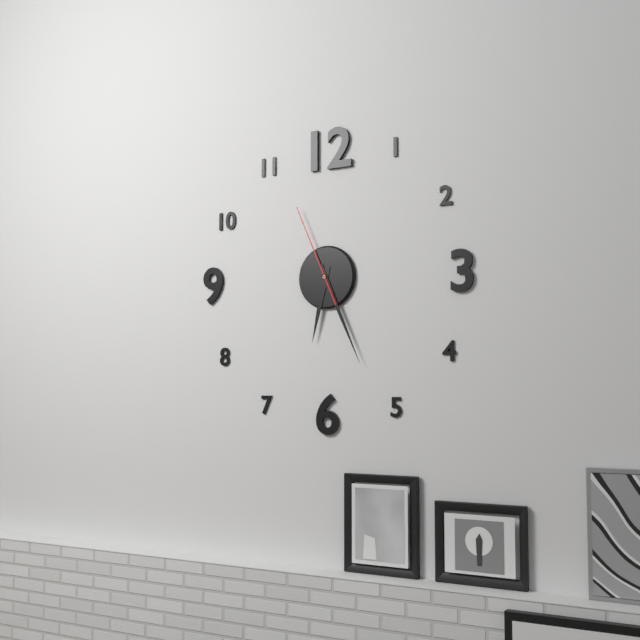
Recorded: 6 h 26 min 56 s
